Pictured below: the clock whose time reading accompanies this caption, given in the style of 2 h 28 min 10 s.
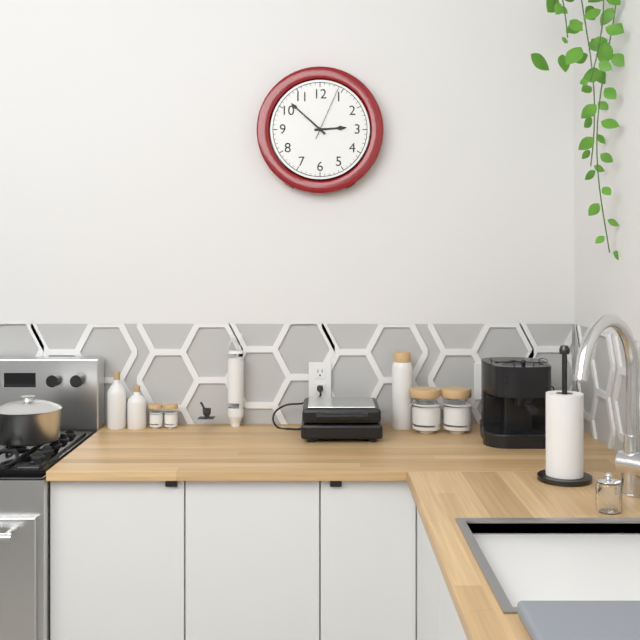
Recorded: 2 h 52 min 04 s
